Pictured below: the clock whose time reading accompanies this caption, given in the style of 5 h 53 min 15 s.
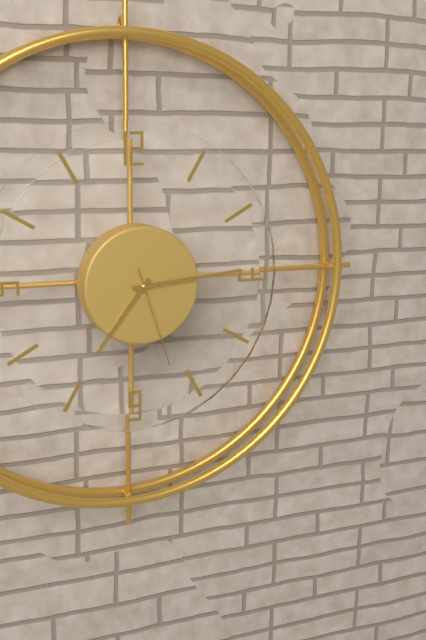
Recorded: 7 h 14 min 27 s
